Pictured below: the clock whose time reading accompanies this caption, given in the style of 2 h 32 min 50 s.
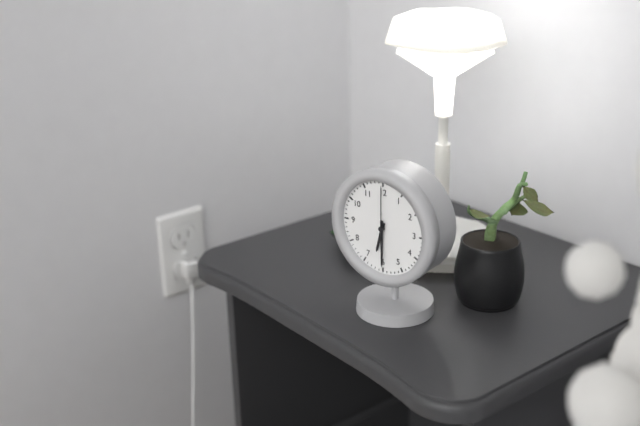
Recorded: 6 h 30 min 00 s
